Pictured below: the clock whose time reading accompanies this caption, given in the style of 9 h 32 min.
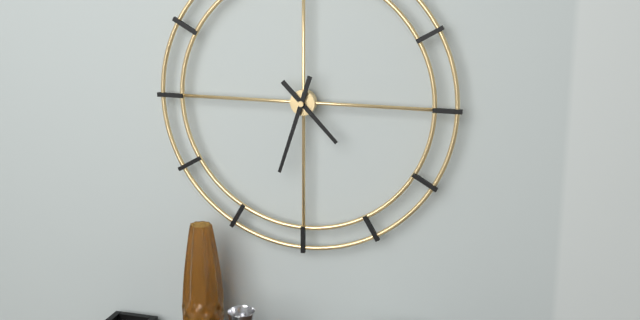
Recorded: 4 h 33 min
